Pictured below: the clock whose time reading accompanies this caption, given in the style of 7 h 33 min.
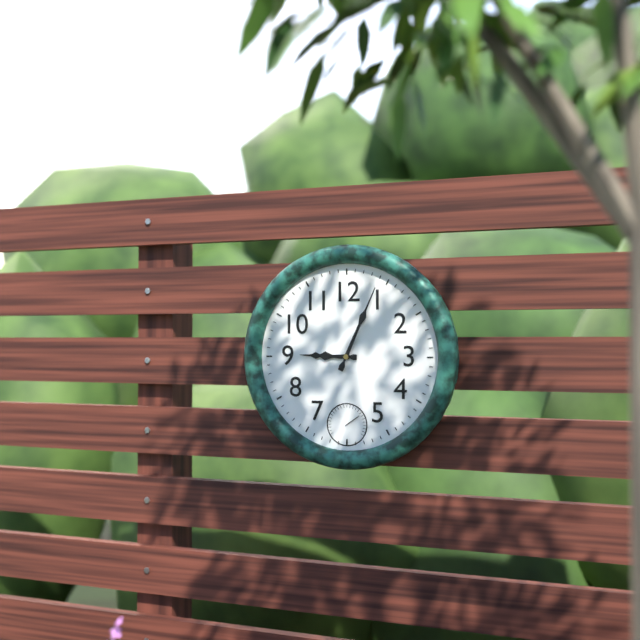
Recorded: 9 h 04 min
